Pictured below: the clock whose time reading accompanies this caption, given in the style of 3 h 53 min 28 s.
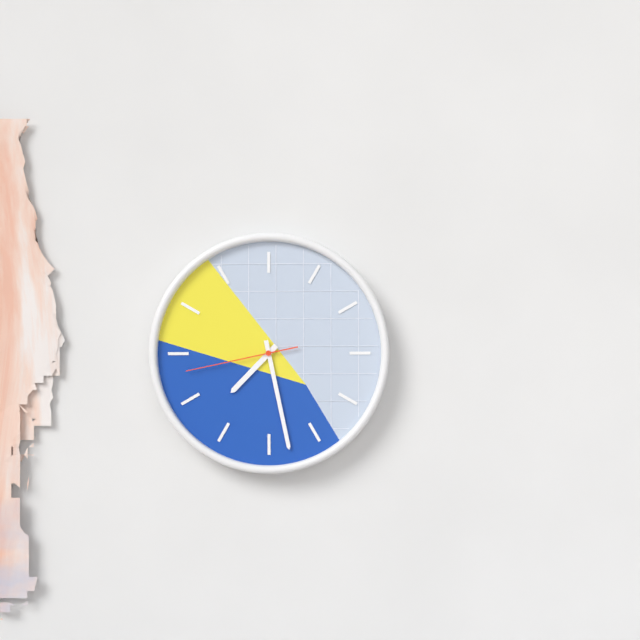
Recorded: 7 h 28 min 43 s
